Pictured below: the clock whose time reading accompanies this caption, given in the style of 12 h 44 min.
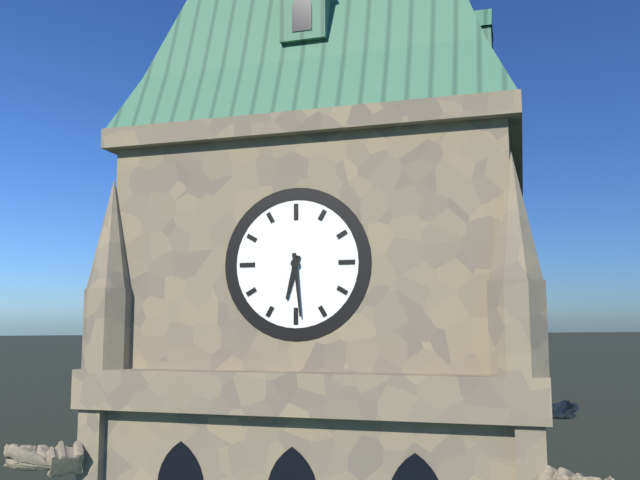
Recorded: 6 h 29 min
